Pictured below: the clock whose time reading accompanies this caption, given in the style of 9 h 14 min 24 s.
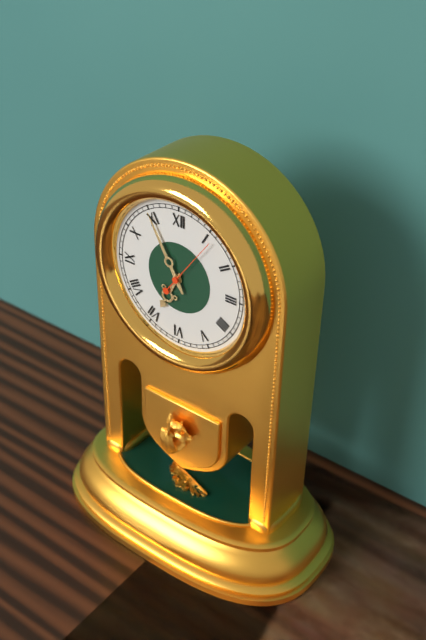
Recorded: 6 h 55 min 06 s
